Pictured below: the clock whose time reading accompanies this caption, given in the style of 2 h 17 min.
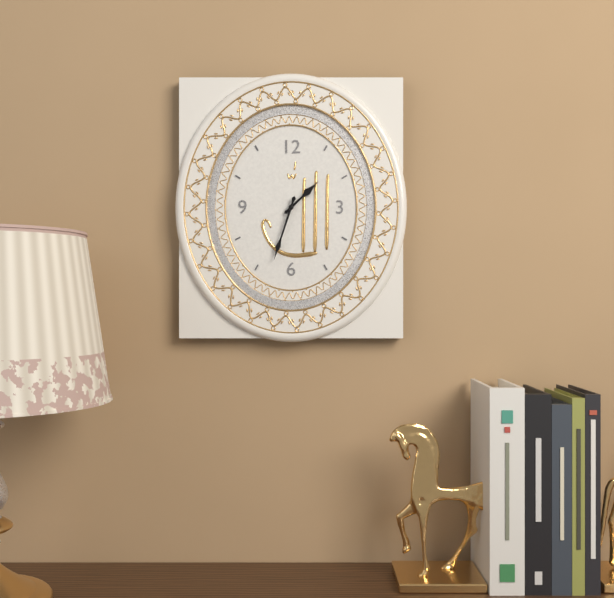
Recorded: 1 h 33 min
